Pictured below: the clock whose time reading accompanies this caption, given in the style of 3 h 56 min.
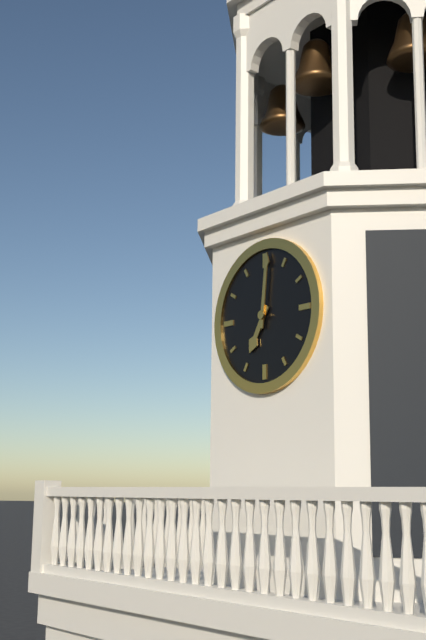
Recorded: 7 h 01 min
